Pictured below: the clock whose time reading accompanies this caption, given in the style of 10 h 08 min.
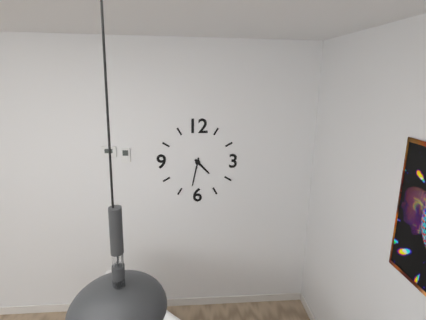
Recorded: 4 h 32 min
